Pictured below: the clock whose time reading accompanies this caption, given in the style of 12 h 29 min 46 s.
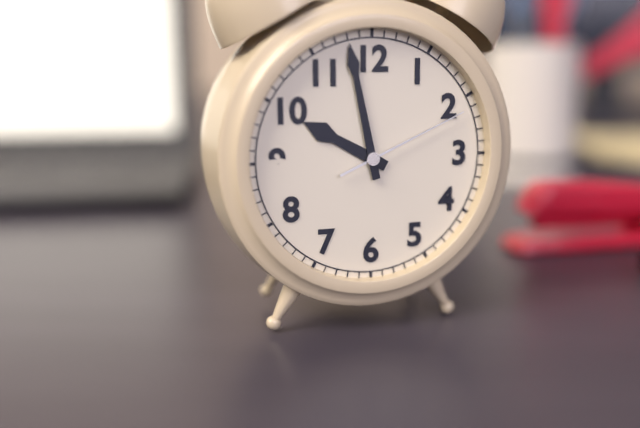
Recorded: 9 h 58 min 11 s
